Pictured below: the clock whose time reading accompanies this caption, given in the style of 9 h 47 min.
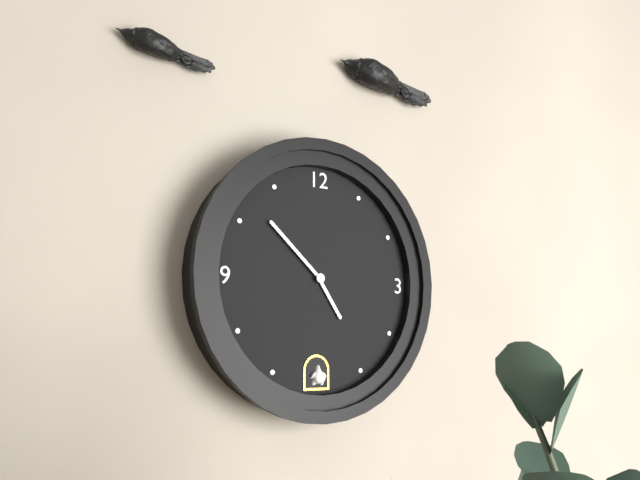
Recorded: 4 h 52 min
